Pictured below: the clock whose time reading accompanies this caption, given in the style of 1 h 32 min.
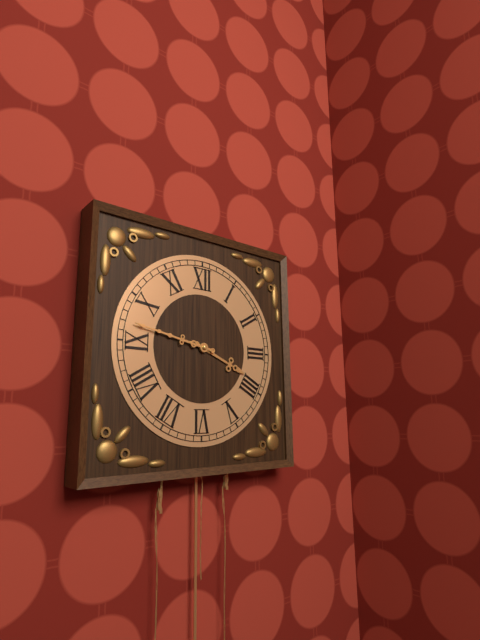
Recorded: 3 h 47 min
